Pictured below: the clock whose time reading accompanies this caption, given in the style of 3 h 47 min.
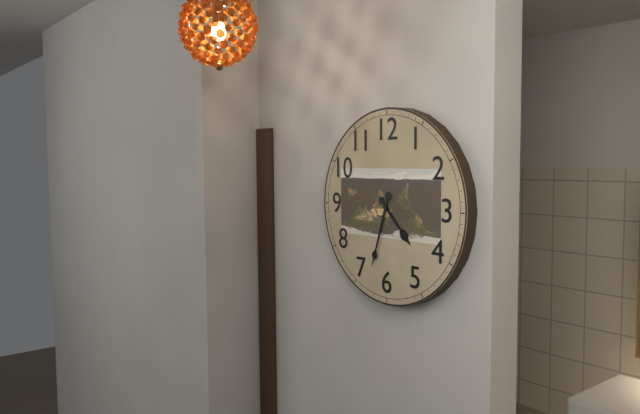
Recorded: 4 h 33 min
